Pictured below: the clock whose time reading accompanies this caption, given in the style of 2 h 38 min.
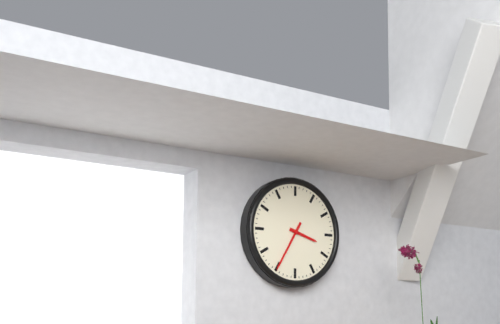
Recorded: 3 h 35 min
